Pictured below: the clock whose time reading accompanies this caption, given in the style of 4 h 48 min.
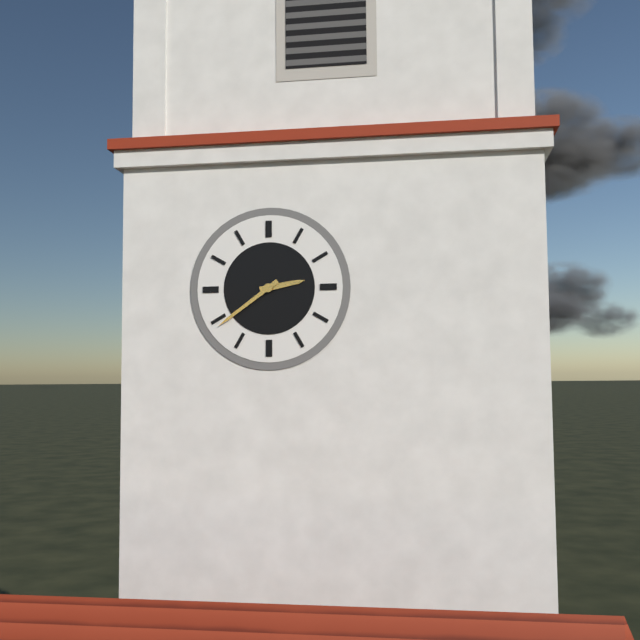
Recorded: 2 h 39 min
